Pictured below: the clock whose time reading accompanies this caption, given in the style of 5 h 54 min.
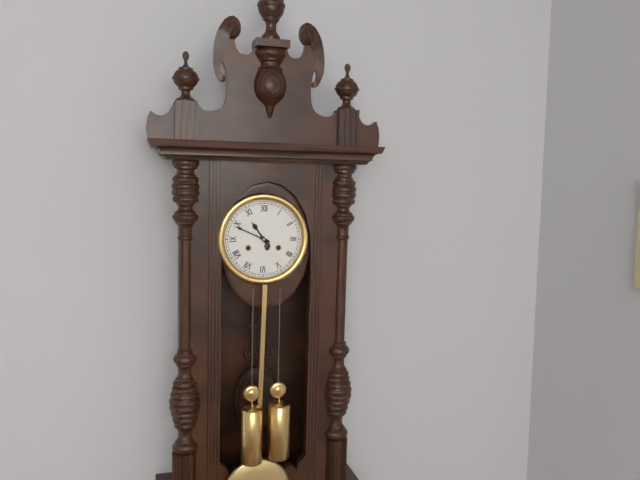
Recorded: 10 h 49 min
